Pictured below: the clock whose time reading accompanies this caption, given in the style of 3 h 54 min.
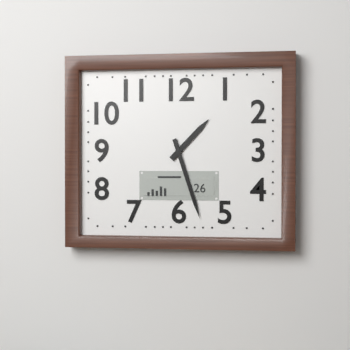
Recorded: 1 h 27 min
